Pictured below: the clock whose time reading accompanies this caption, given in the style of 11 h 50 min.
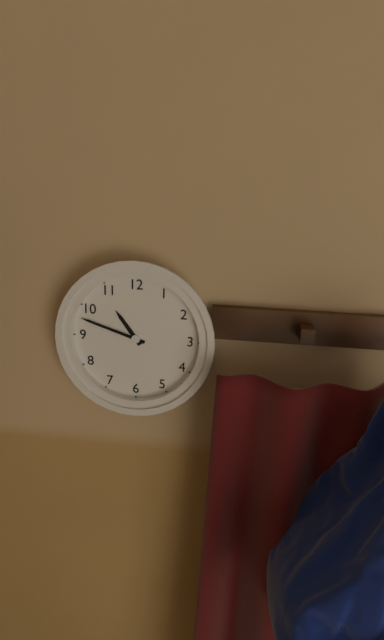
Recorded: 10 h 48 min
